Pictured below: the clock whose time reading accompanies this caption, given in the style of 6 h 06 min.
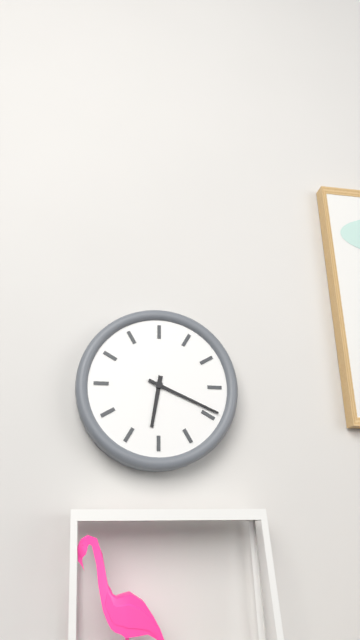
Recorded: 6 h 19 min
